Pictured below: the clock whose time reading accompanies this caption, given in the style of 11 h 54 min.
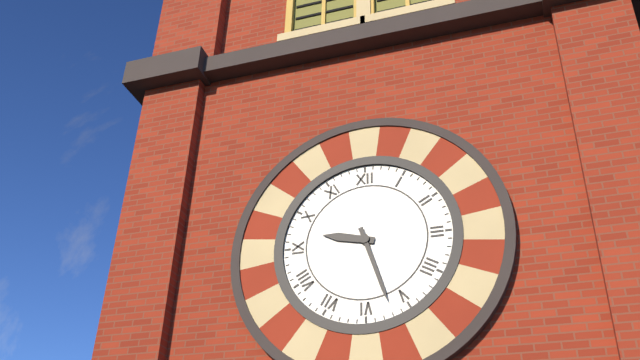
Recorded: 9 h 27 min
